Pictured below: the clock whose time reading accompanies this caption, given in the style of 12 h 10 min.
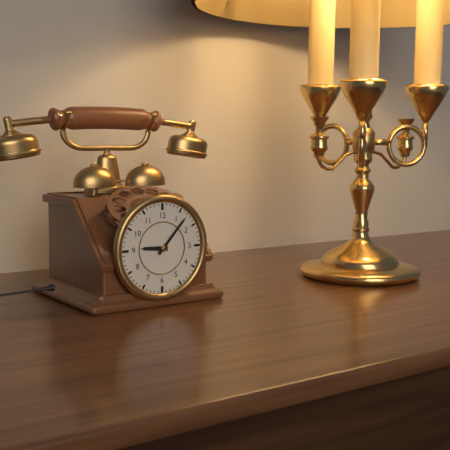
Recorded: 9 h 07 min
